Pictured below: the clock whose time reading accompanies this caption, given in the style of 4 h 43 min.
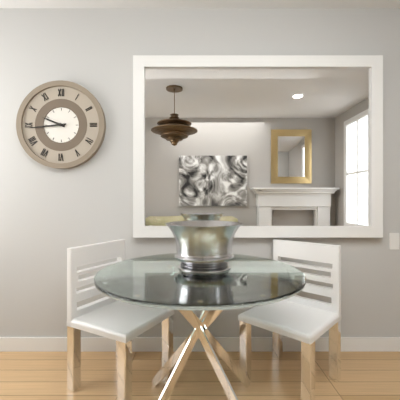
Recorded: 9 h 44 min
